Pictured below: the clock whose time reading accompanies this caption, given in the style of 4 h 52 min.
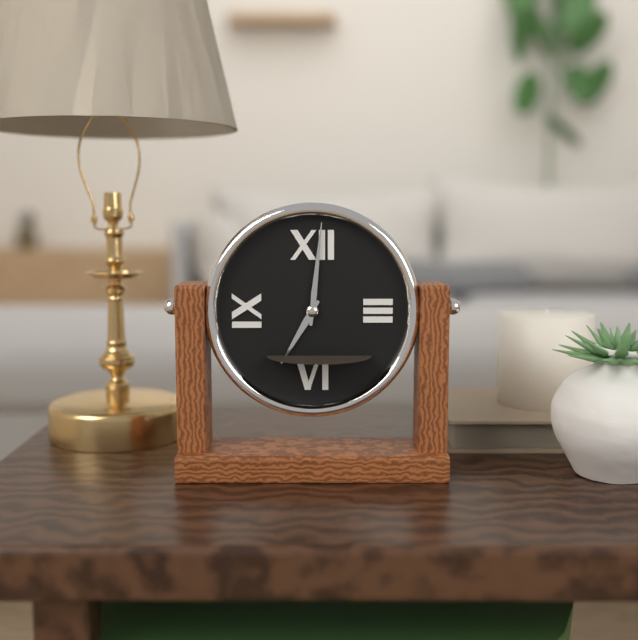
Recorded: 7 h 01 min
